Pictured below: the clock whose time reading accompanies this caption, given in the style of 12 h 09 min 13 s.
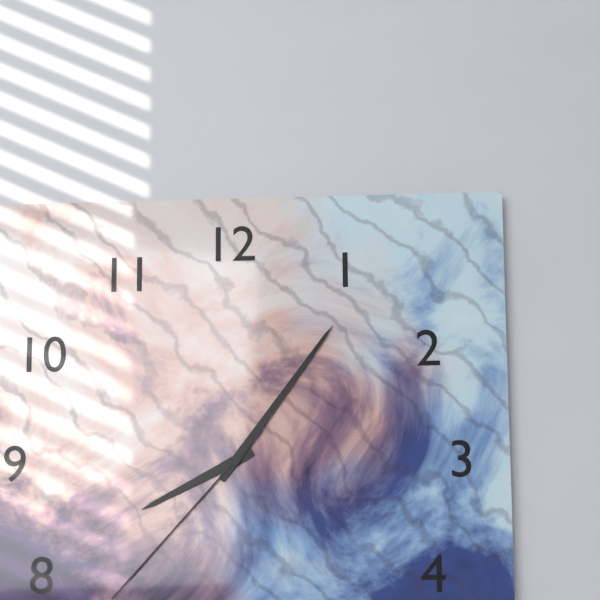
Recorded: 8 h 06 min 37 s
